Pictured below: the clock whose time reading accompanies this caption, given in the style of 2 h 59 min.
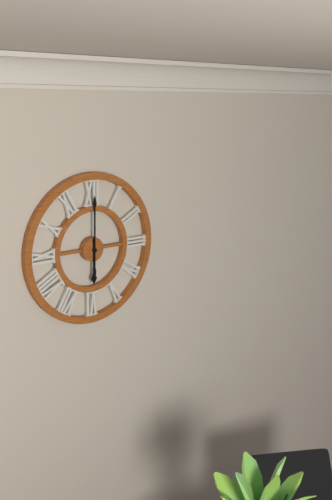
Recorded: 6 h 00 min
